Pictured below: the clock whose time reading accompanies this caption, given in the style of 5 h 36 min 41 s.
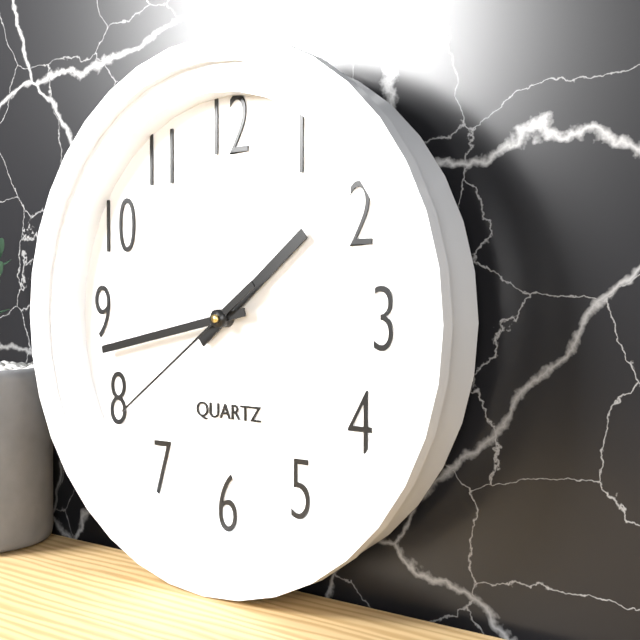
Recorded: 1 h 43 min 39 s
